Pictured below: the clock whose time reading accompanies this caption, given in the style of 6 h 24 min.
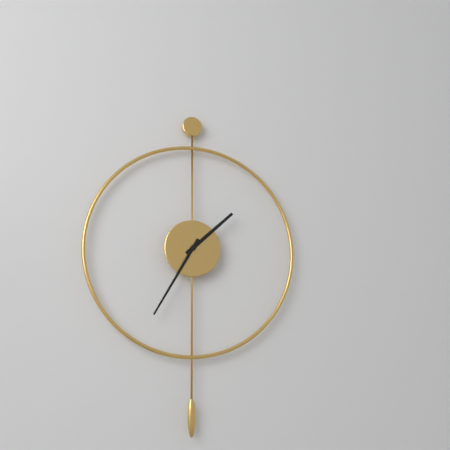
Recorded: 1 h 35 min
